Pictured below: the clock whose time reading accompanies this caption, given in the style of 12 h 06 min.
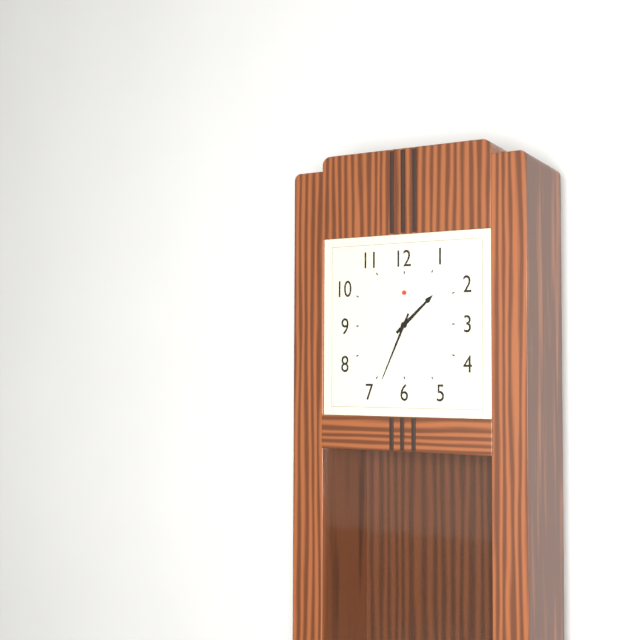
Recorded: 1 h 34 min
